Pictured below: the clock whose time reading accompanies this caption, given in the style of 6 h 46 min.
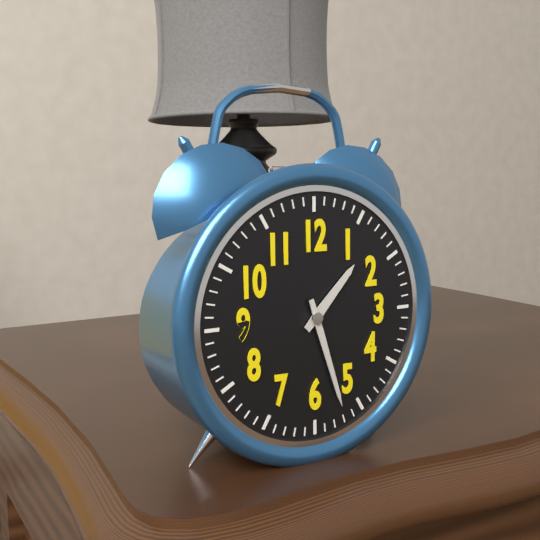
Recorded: 1 h 27 min
